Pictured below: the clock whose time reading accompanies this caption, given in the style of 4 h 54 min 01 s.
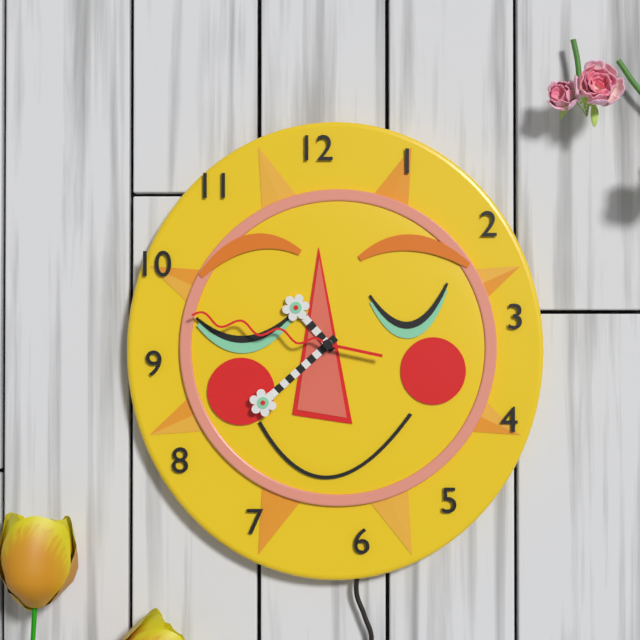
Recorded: 10 h 38 min 47 s
